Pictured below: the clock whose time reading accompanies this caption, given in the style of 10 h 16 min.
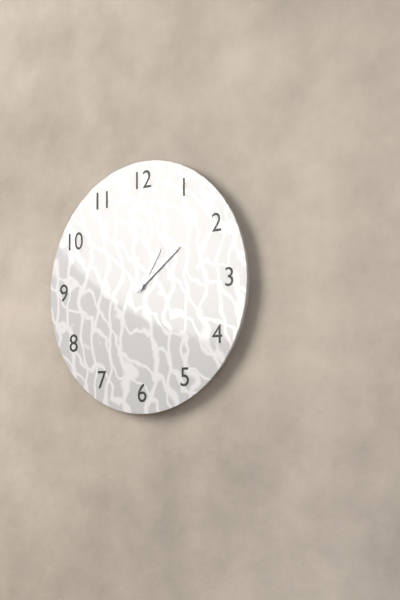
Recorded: 1 h 09 min
